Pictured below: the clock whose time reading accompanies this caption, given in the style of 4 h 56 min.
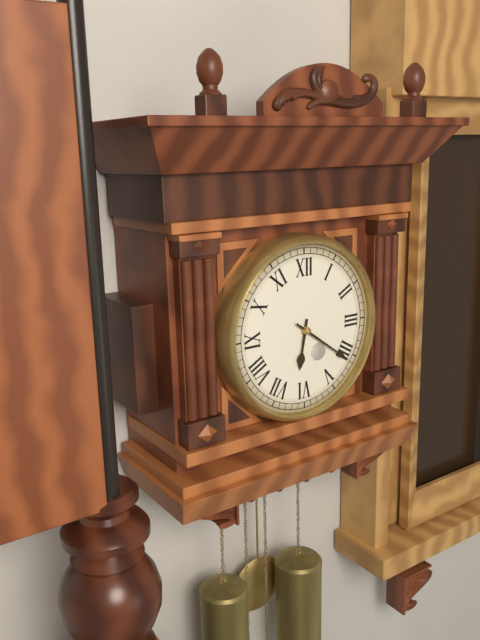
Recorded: 6 h 21 min
